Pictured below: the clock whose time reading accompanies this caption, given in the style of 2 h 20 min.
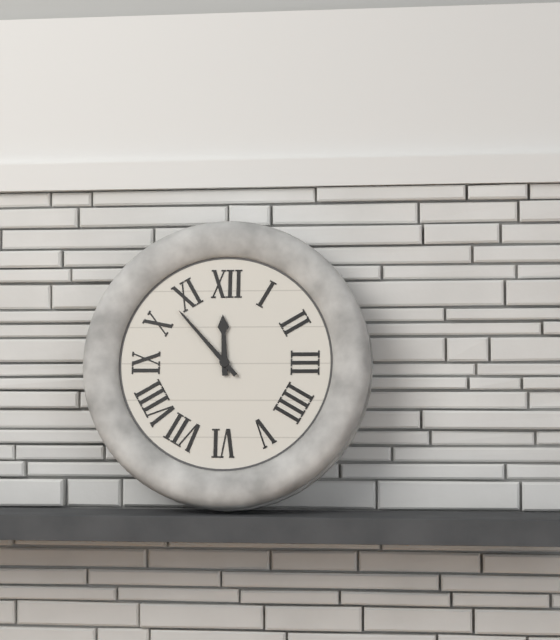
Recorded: 11 h 53 min
